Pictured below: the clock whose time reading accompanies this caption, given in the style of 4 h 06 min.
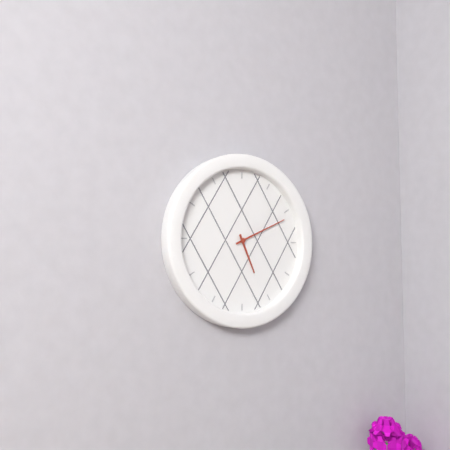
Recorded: 5 h 11 min
